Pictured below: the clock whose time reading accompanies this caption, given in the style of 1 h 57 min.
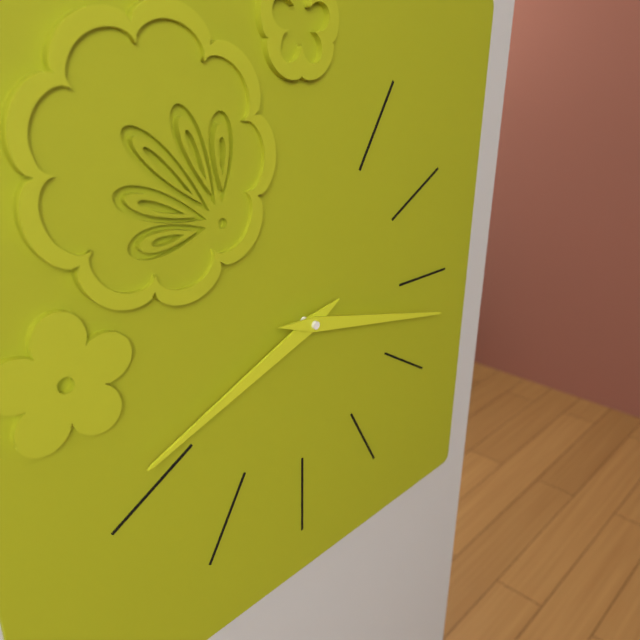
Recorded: 8 h 17 min
